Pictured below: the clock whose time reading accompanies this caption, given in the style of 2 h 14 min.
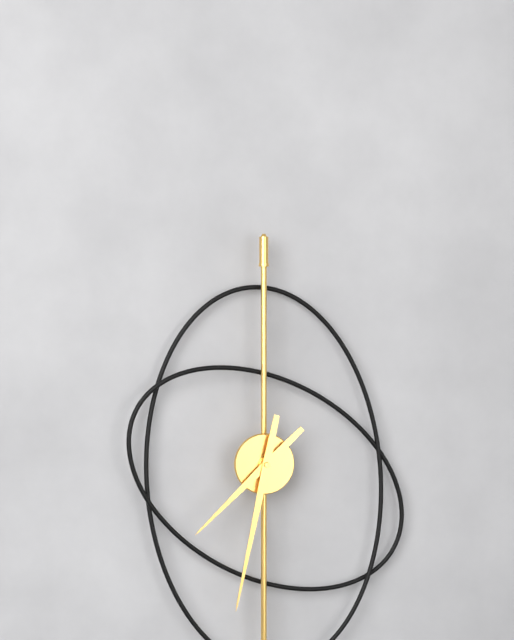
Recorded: 7 h 32 min
